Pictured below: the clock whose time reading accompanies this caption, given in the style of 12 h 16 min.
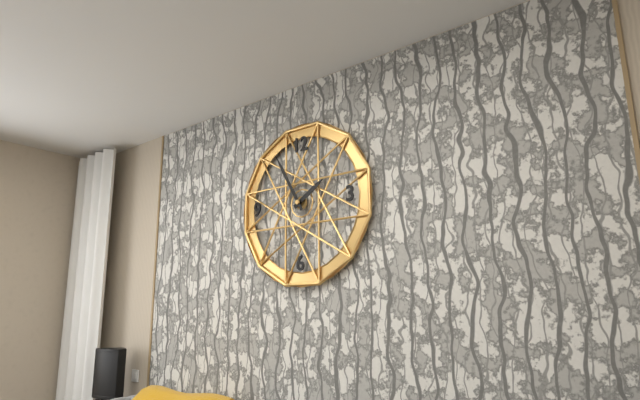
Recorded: 1 h 55 min
